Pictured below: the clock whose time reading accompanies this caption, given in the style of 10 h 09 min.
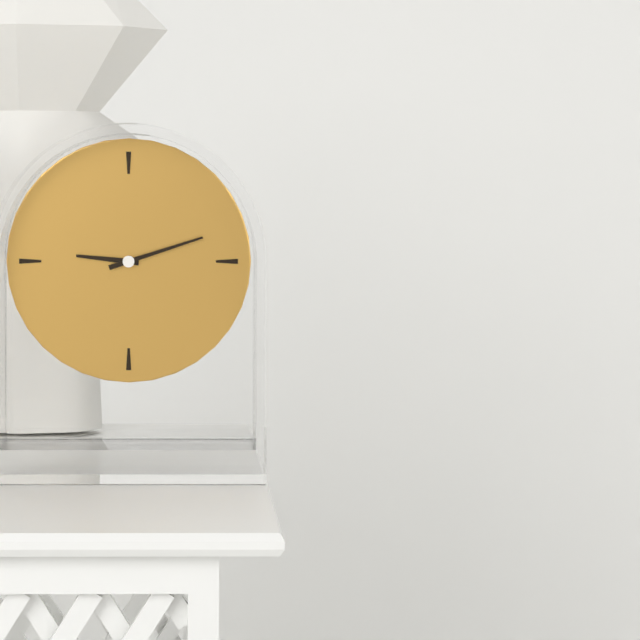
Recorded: 9 h 12 min
